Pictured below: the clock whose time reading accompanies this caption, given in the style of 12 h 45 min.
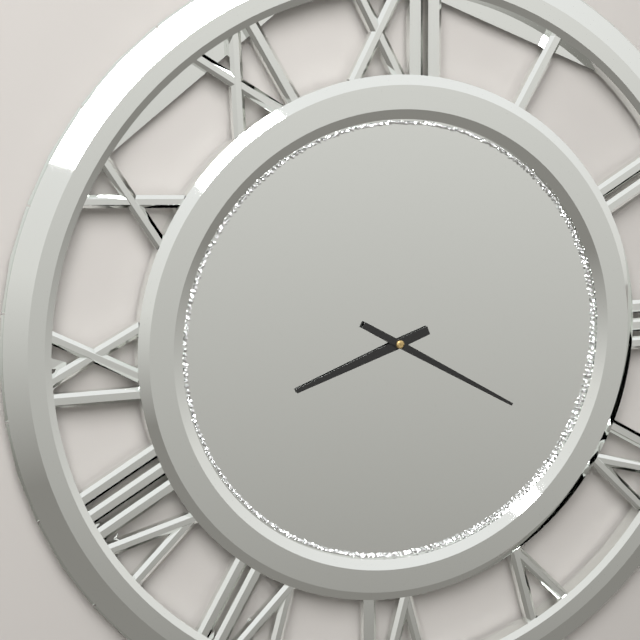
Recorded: 8 h 20 min
